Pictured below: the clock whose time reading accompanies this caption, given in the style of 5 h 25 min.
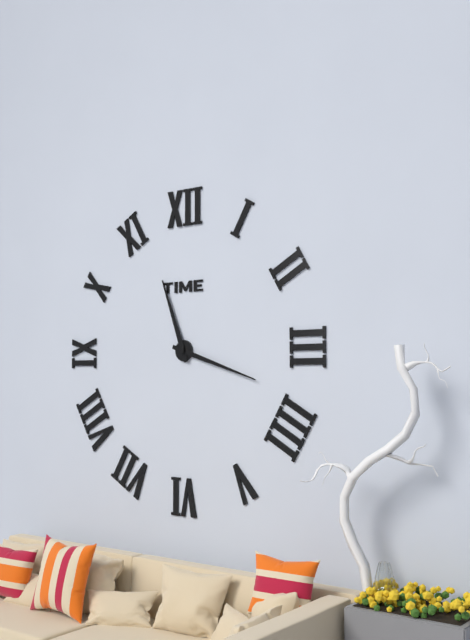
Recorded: 11 h 18 min
